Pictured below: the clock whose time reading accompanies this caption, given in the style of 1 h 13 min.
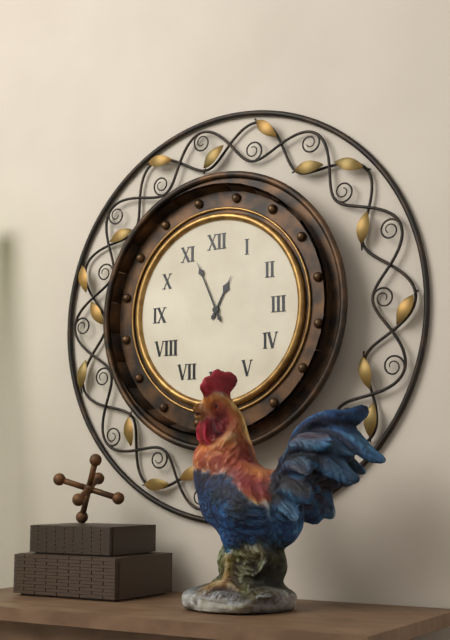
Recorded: 12 h 56 min
